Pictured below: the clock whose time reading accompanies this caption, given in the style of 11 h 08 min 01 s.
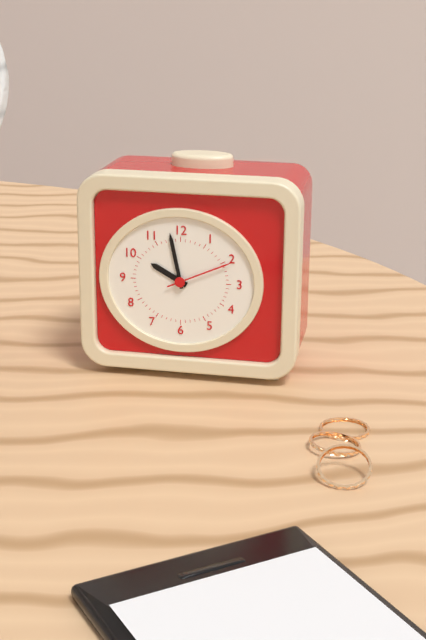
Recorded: 9 h 58 min 11 s
